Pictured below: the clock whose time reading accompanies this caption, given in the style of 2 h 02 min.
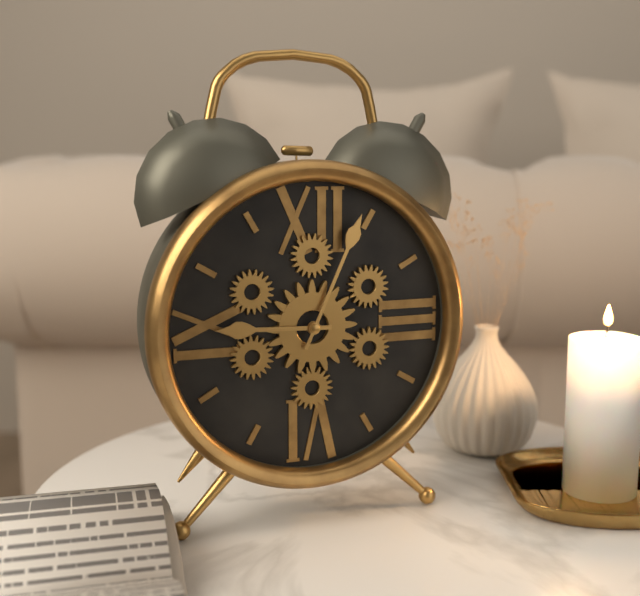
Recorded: 9 h 04 min
